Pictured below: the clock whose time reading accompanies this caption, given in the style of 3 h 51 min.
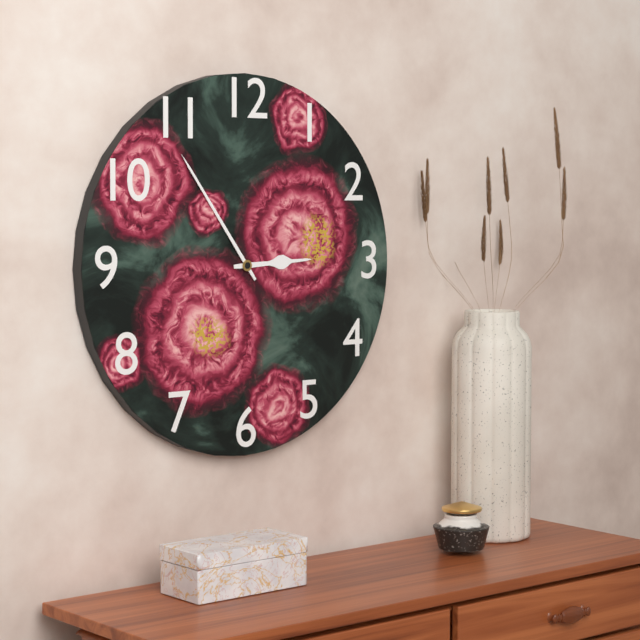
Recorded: 2 h 54 min
